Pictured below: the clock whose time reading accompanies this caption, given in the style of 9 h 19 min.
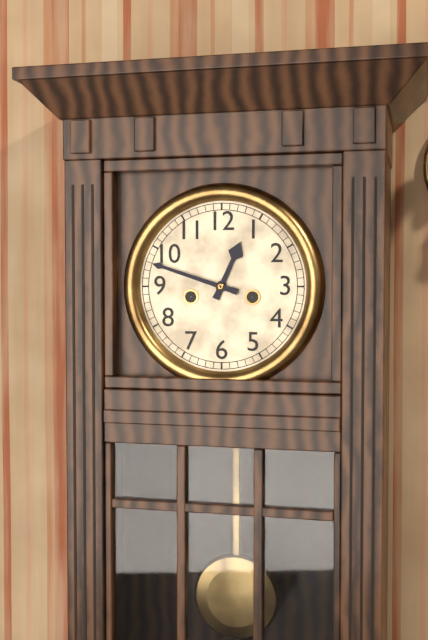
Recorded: 12 h 48 min
